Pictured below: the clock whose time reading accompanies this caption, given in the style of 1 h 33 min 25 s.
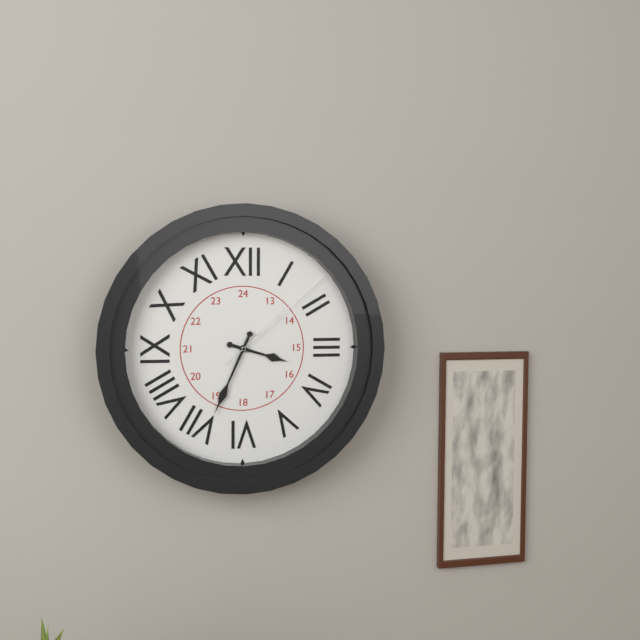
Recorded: 3 h 34 min 08 s
